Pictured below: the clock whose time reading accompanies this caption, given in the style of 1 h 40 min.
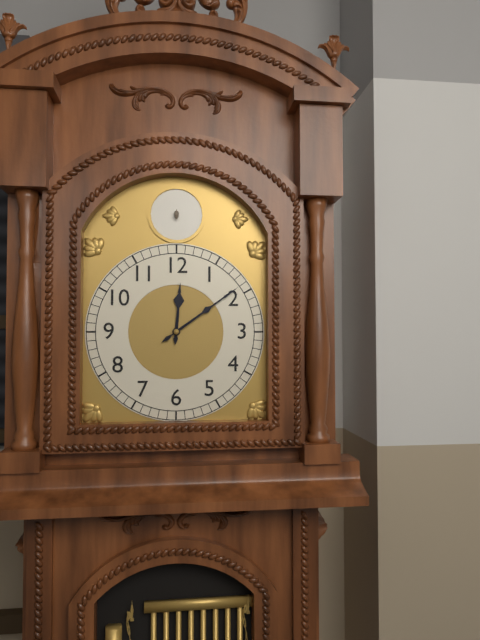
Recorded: 12 h 09 min
